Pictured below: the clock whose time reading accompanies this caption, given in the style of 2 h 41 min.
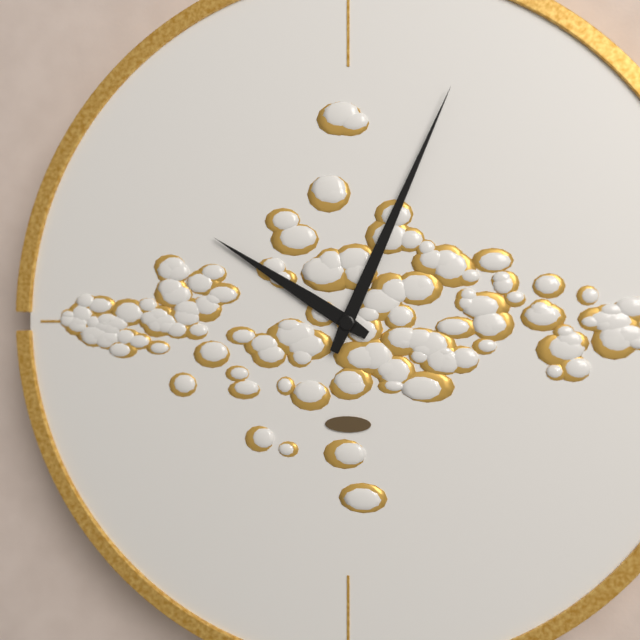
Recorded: 10 h 04 min
